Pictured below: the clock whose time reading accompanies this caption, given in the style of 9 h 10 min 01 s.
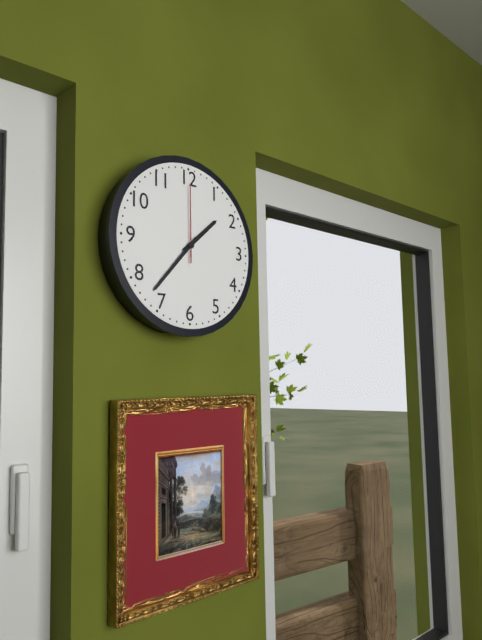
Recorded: 1 h 37 min 00 s
